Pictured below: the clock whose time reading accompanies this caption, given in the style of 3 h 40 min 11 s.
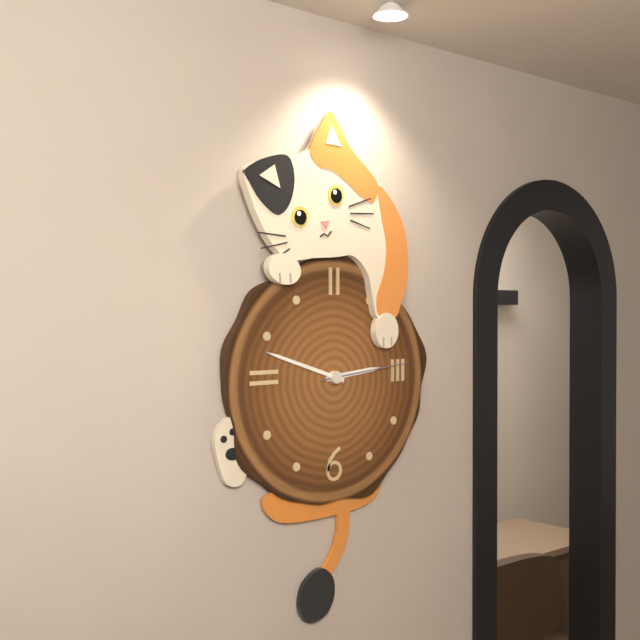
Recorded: 2 h 48 min 14 s
